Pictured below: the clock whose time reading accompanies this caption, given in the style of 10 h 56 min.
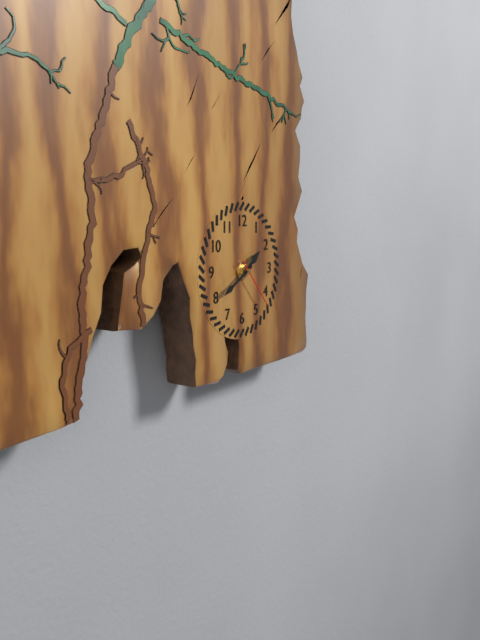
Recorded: 1 h 40 min
